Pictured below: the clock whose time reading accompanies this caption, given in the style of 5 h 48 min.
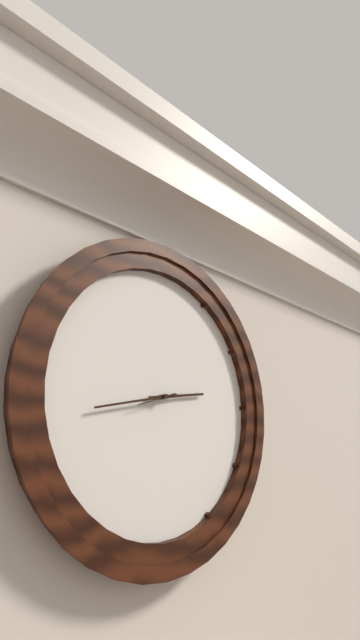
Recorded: 2 h 43 min
